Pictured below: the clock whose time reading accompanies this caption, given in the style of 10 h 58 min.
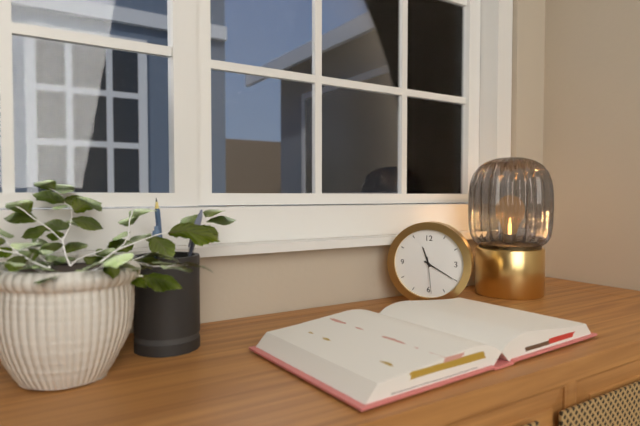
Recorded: 11 h 20 min
